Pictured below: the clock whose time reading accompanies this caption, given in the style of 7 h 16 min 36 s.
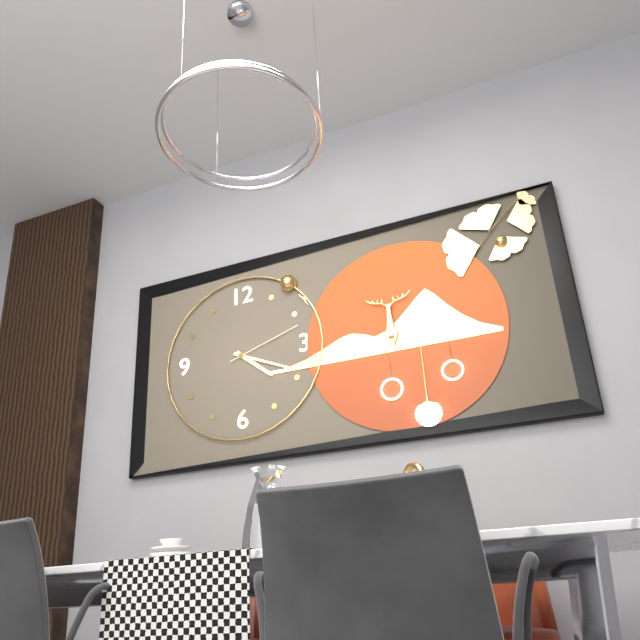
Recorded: 4 h 19 min 12 s
